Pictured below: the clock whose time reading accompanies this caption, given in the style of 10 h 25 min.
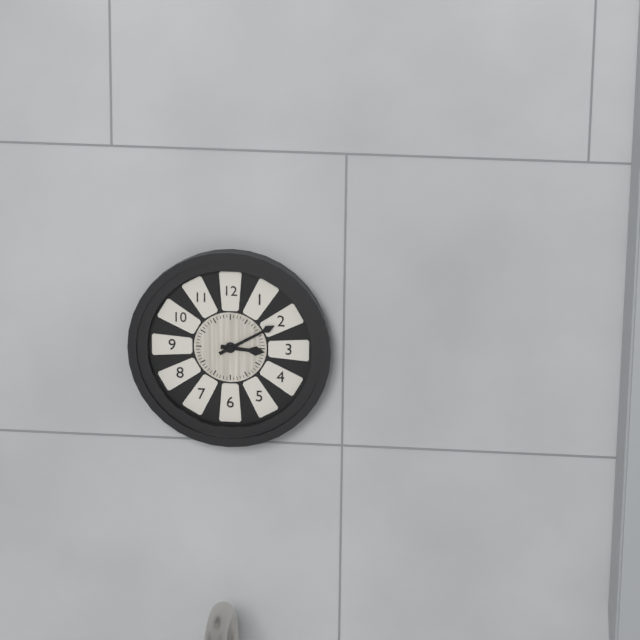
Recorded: 3 h 10 min
